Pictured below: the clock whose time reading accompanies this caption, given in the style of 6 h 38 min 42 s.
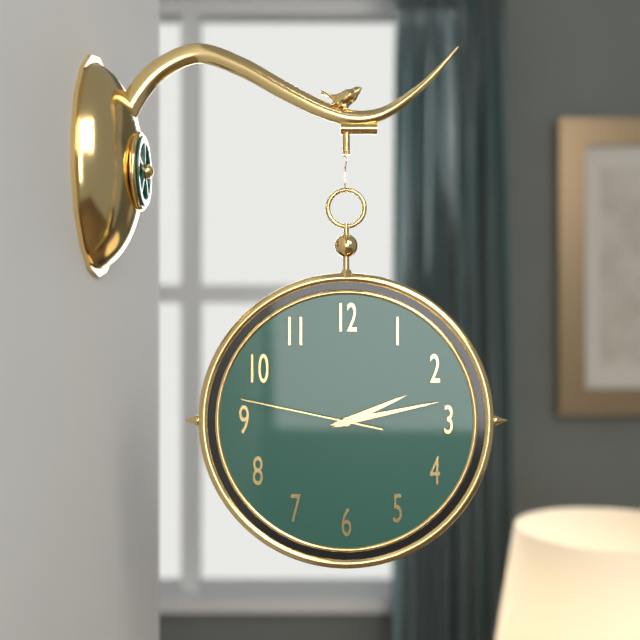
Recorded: 2 h 13 min 47 s
